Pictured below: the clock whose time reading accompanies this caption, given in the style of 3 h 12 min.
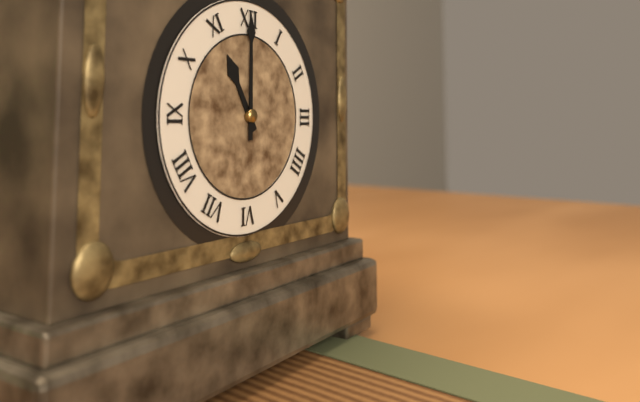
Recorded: 11 h 00 min
